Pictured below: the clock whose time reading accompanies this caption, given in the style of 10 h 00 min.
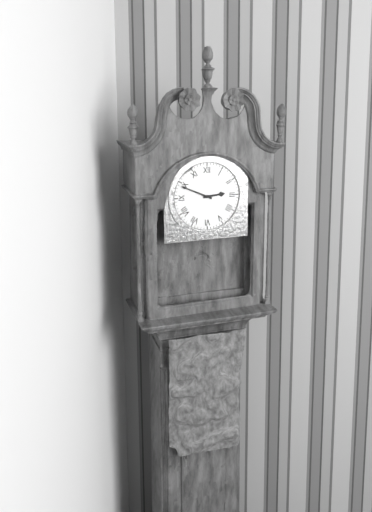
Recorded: 2 h 49 min
